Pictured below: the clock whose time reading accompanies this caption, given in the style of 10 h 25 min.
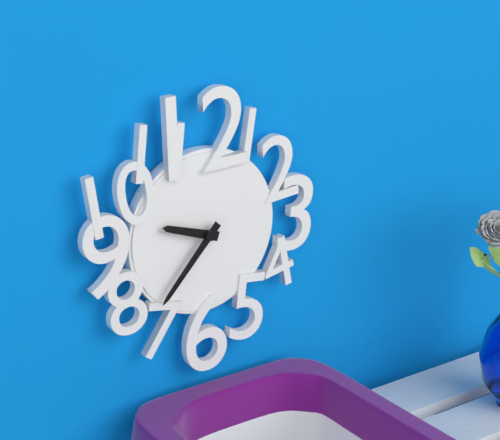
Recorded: 9 h 37 min
